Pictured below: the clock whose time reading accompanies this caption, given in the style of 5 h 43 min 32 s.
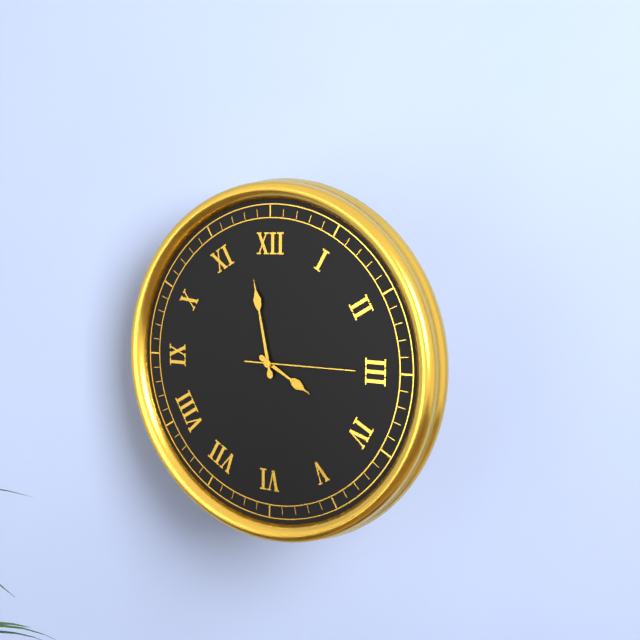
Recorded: 3 h 58 min 15 s
